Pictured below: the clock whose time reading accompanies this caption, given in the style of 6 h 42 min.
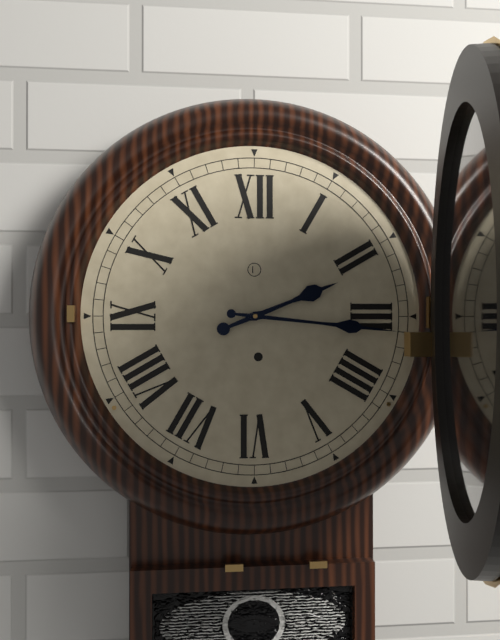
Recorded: 2 h 16 min
